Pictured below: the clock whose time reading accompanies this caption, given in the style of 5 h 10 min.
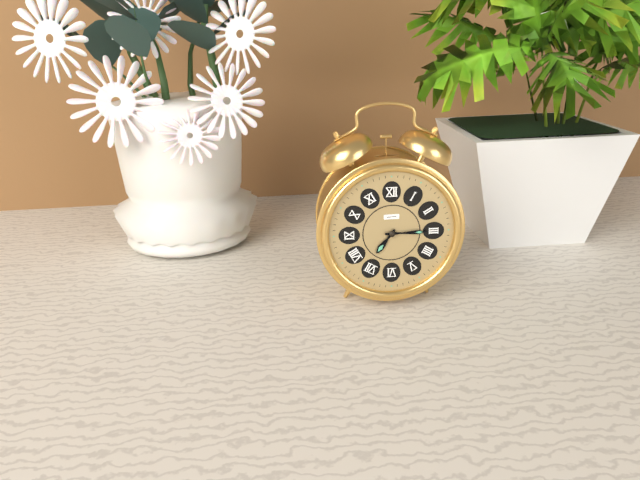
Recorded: 7 h 15 min
